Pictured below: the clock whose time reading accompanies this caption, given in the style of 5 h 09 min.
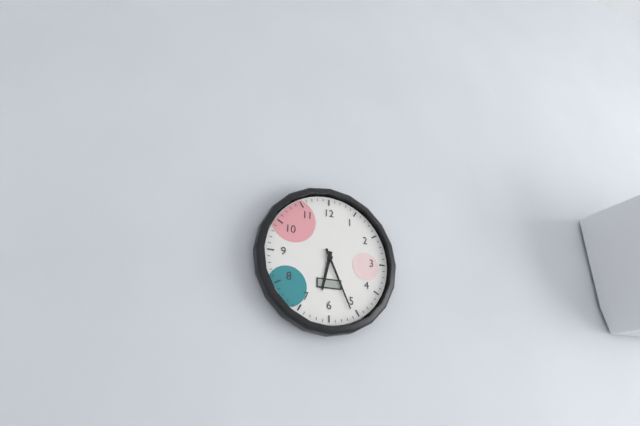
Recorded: 6 h 26 min
